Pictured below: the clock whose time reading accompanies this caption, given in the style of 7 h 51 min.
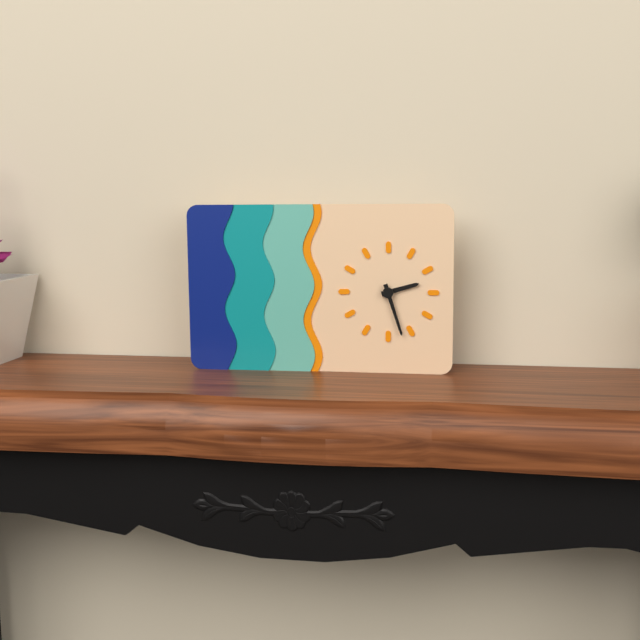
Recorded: 2 h 27 min
